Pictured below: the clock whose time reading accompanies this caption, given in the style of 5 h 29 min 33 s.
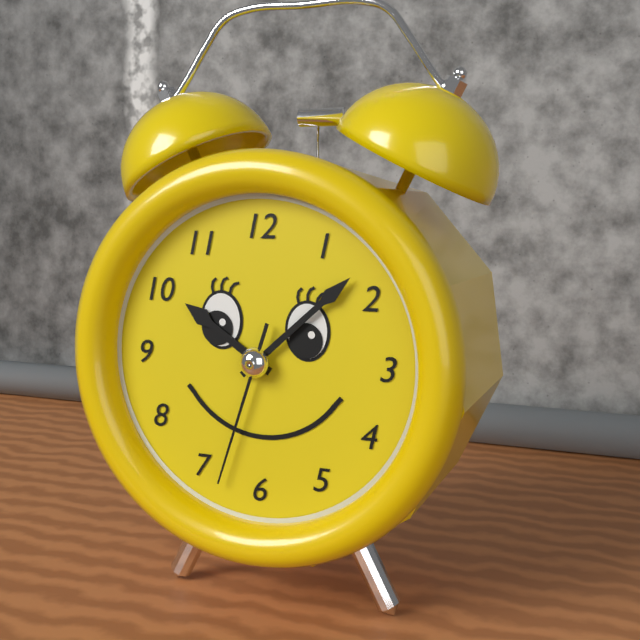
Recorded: 10 h 08 min 33 s
